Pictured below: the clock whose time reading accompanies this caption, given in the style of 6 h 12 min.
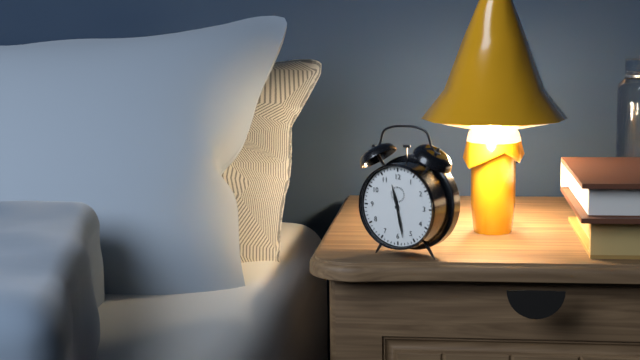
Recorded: 11 h 28 min
